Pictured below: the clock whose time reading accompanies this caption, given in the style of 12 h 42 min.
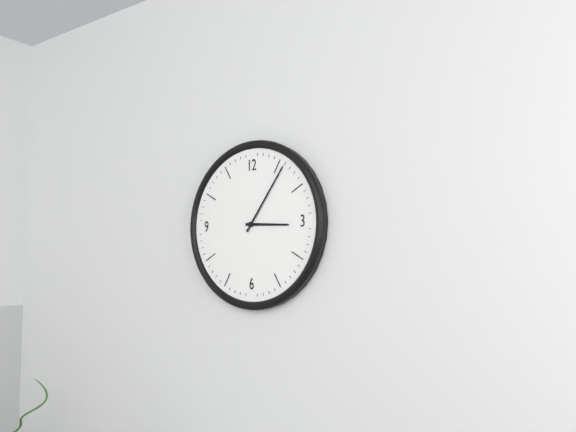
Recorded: 3 h 06 min
